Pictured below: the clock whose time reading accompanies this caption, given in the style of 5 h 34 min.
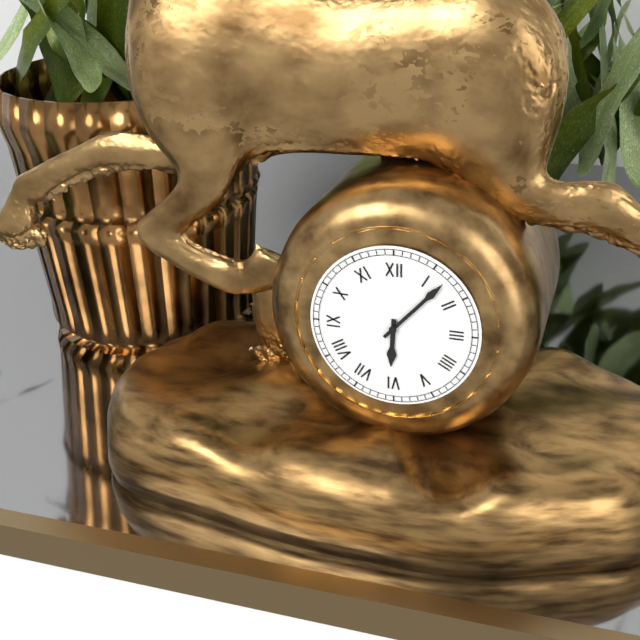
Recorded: 6 h 07 min
